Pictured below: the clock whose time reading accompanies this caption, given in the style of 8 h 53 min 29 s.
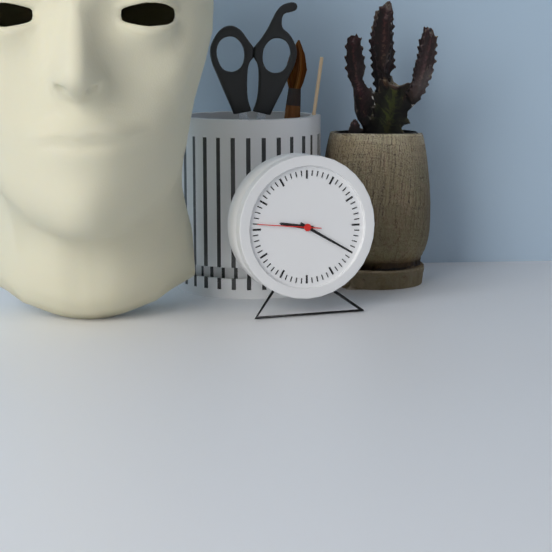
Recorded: 9 h 20 min 46 s
